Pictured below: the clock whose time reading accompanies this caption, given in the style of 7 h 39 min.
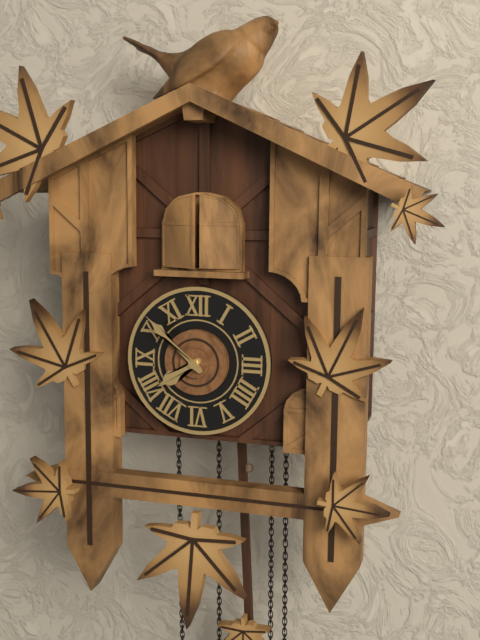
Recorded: 7 h 52 min
